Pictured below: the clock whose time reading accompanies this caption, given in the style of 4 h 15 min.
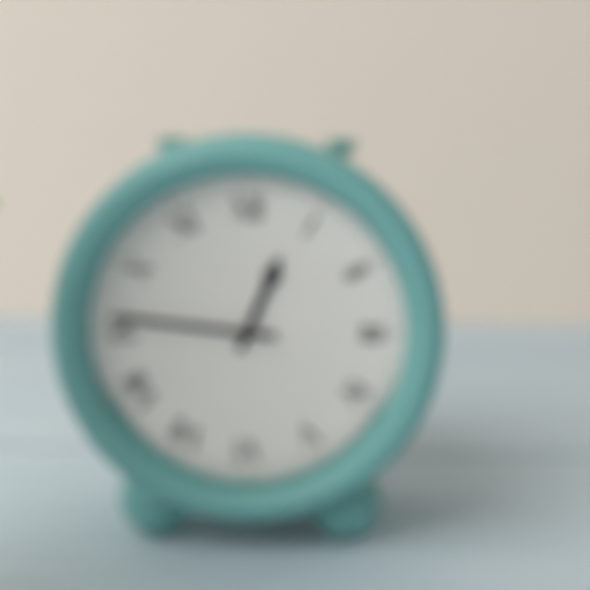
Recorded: 12 h 46 min
